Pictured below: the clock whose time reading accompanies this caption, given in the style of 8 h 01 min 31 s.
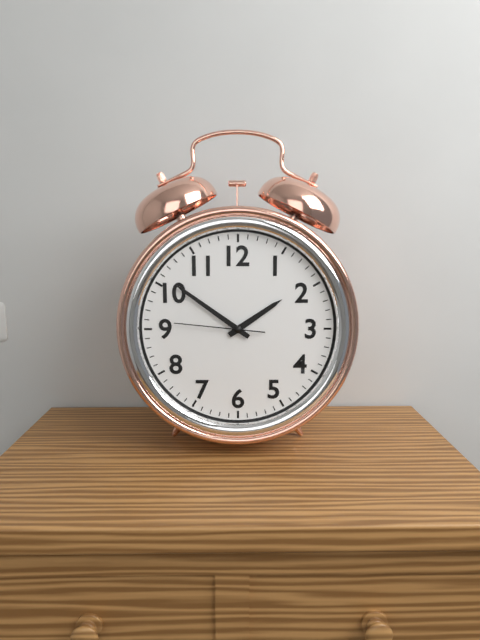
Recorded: 1 h 51 min 46 s
